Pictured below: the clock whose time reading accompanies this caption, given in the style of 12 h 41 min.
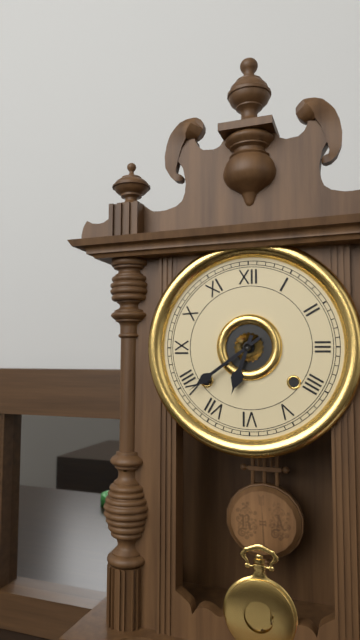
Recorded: 6 h 39 min
